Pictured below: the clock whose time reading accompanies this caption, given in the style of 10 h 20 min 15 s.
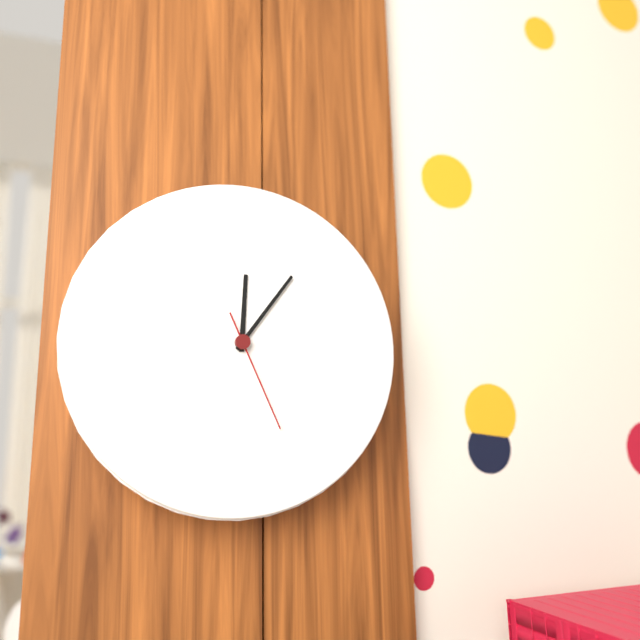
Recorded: 12 h 06 min 26 s
